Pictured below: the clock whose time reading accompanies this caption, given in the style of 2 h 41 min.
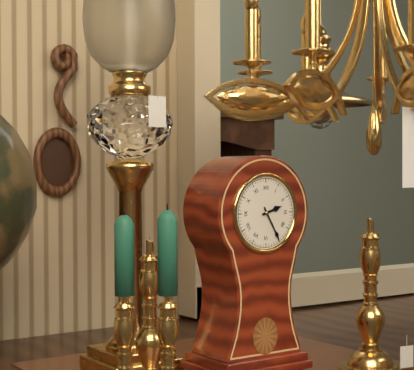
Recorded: 2 h 25 min
